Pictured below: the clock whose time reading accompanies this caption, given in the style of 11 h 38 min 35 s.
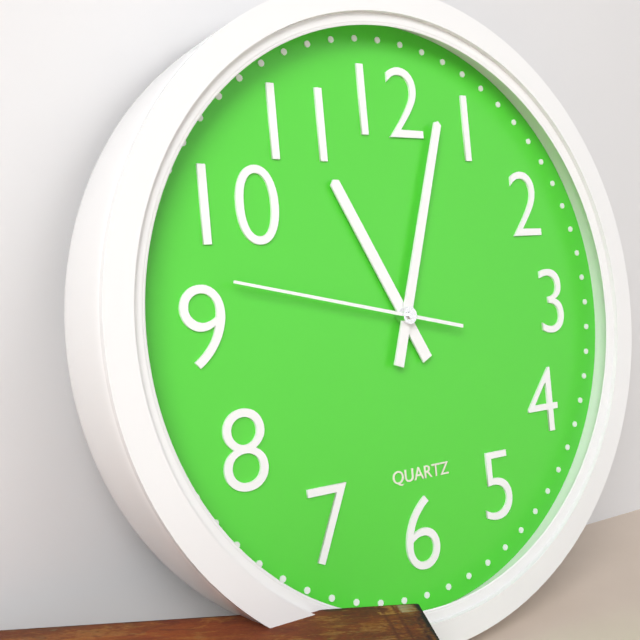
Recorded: 11 h 03 min 47 s
